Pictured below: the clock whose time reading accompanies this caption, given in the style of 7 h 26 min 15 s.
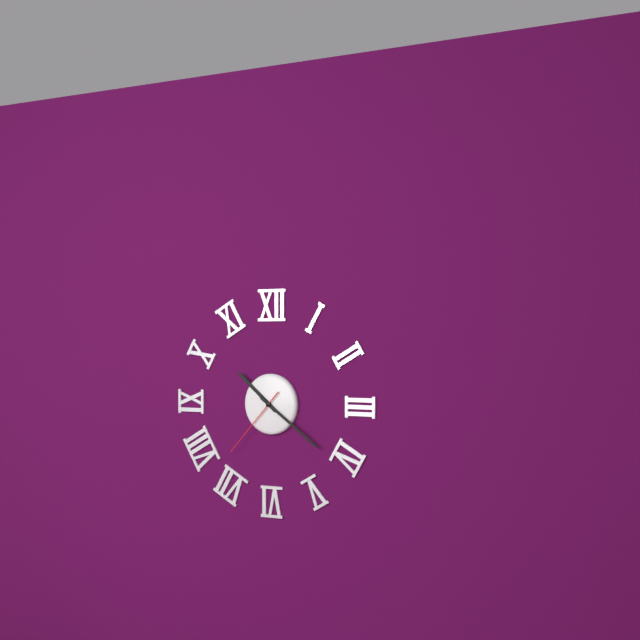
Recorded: 10 h 21 min 37 s
